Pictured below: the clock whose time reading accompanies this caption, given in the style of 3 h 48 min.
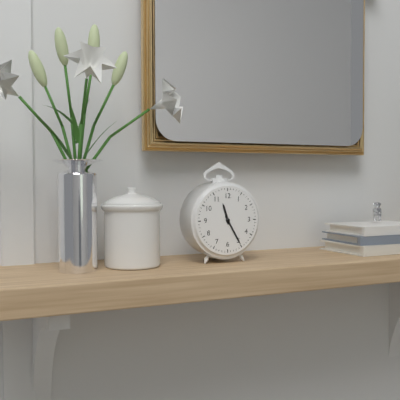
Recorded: 11 h 25 min
